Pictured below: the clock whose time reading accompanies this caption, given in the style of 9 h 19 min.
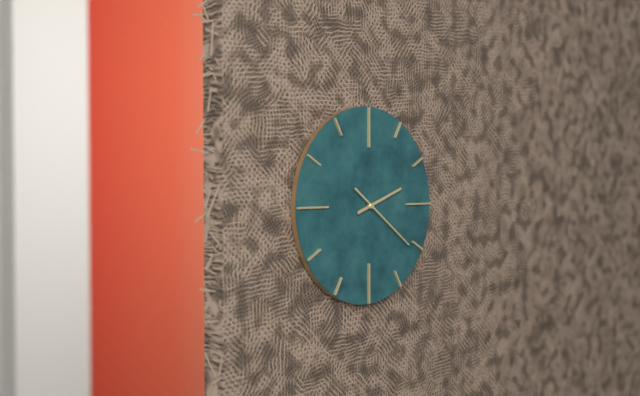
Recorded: 2 h 21 min
